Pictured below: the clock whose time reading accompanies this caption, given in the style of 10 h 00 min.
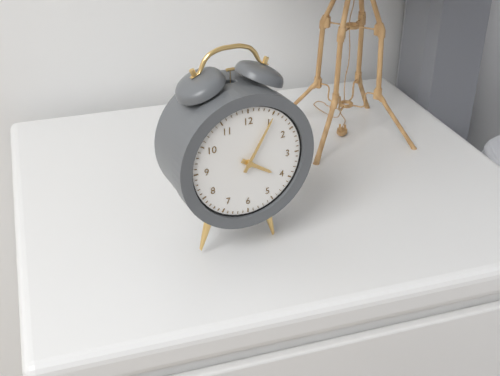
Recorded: 4 h 05 min
